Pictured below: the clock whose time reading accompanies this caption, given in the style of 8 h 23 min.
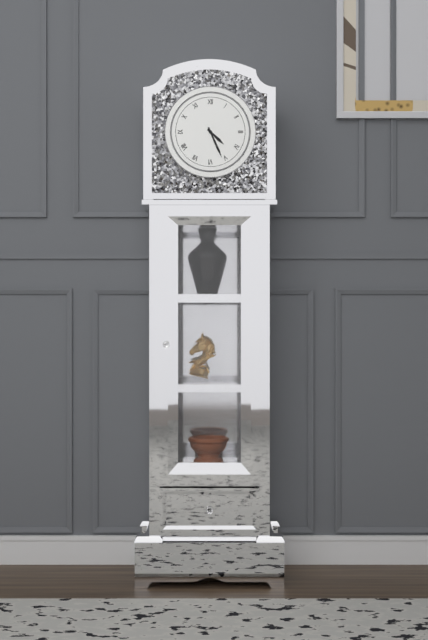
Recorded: 4 h 26 min
